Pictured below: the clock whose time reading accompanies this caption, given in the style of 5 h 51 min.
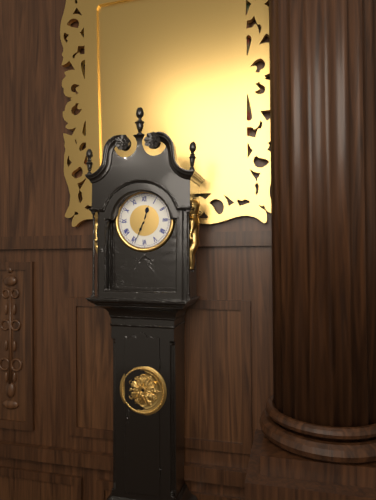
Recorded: 12 h 34 min
